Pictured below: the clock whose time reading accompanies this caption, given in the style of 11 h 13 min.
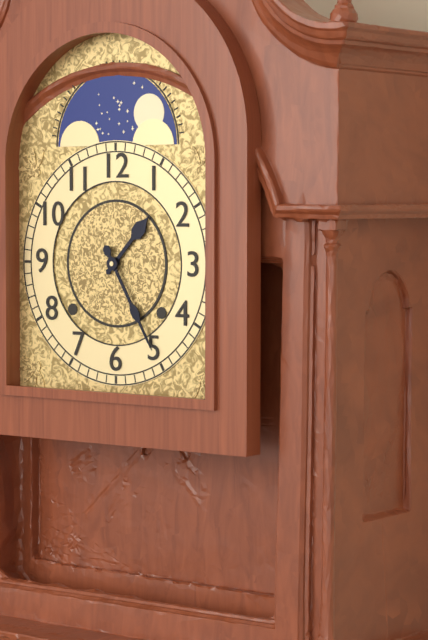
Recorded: 1 h 25 min
